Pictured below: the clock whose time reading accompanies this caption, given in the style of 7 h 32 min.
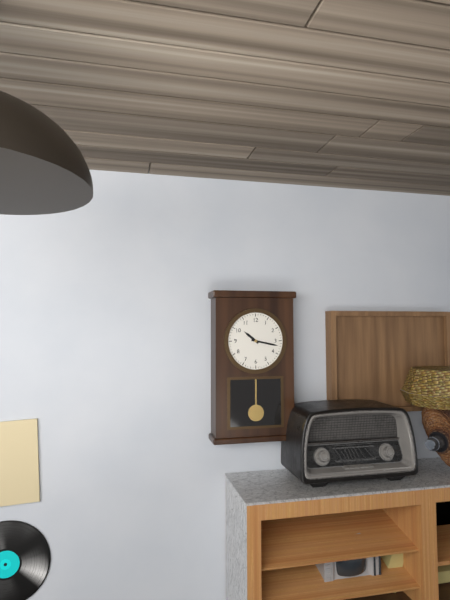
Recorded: 10 h 17 min
